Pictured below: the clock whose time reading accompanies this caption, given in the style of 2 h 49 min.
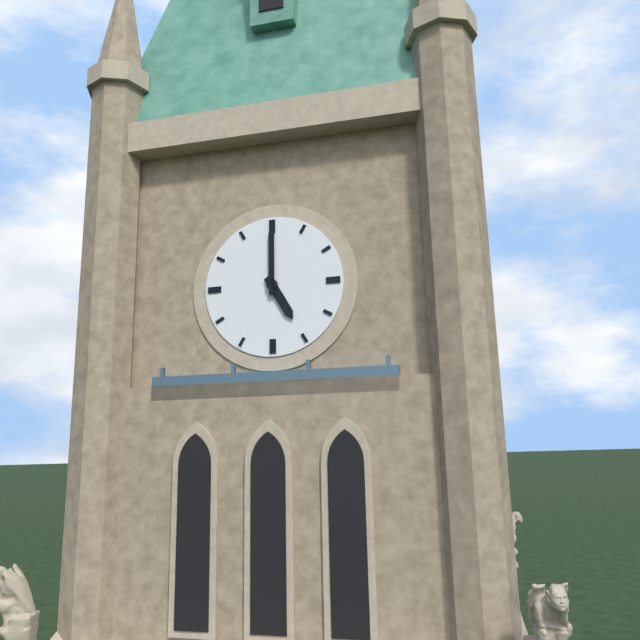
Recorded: 5 h 00 min
